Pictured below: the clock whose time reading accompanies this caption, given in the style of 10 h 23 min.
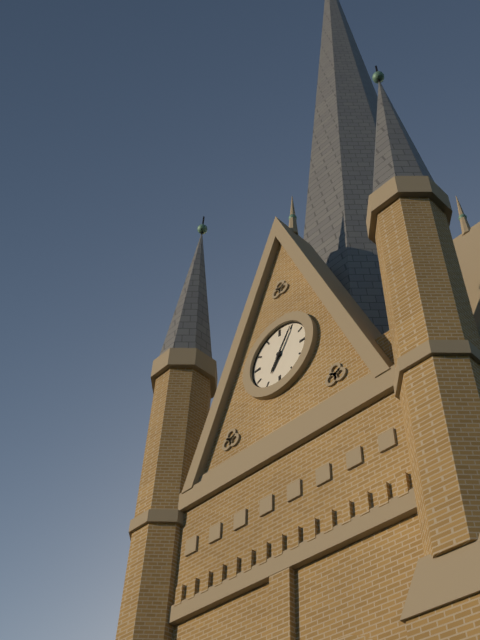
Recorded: 7 h 05 min
